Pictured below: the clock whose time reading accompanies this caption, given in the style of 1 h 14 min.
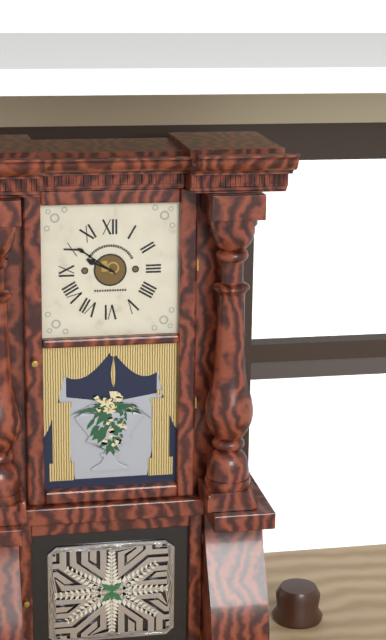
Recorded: 9 h 51 min
